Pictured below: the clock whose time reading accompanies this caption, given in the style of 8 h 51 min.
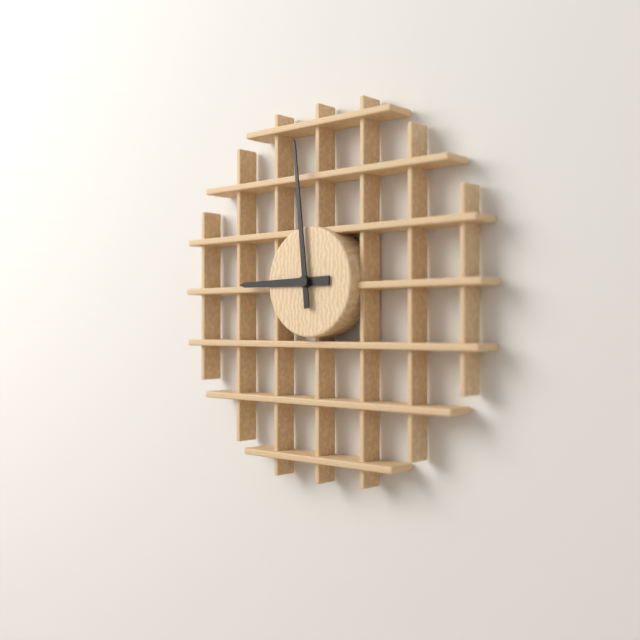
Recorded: 8 h 59 min
